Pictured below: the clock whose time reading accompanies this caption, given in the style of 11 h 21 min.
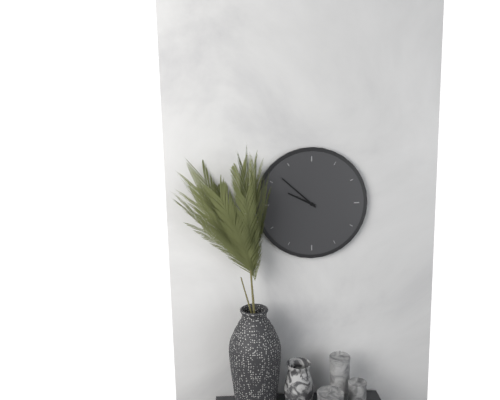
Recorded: 9 h 52 min
